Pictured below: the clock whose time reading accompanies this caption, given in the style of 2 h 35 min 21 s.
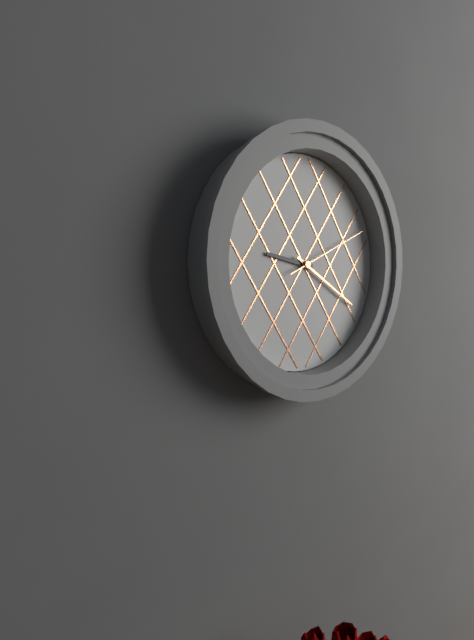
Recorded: 9 h 20 min 11 s
